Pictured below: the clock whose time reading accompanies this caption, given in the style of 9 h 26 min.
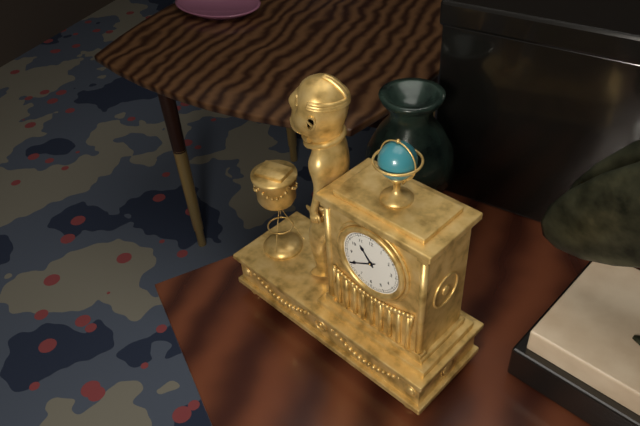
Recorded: 10 h 40 min
